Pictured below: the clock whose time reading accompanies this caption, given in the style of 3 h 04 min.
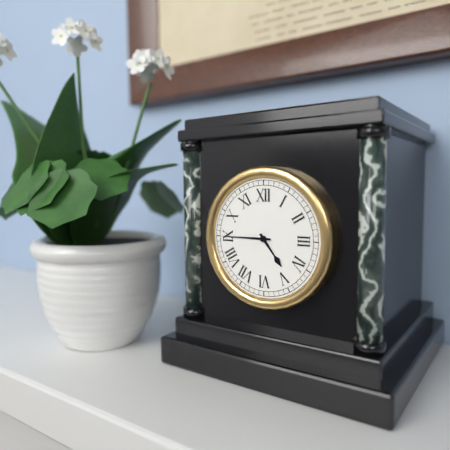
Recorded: 4 h 45 min
